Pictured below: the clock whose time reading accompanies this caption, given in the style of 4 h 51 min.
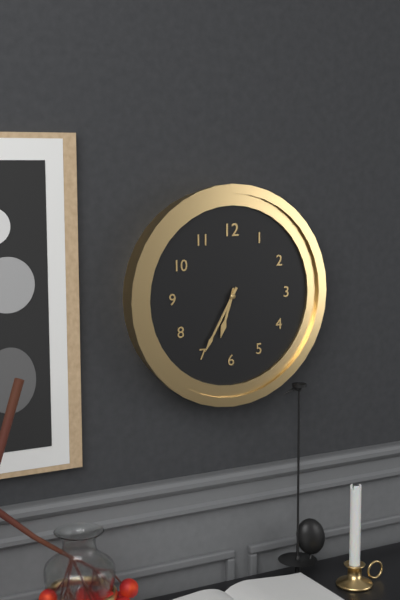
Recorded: 6 h 35 min
